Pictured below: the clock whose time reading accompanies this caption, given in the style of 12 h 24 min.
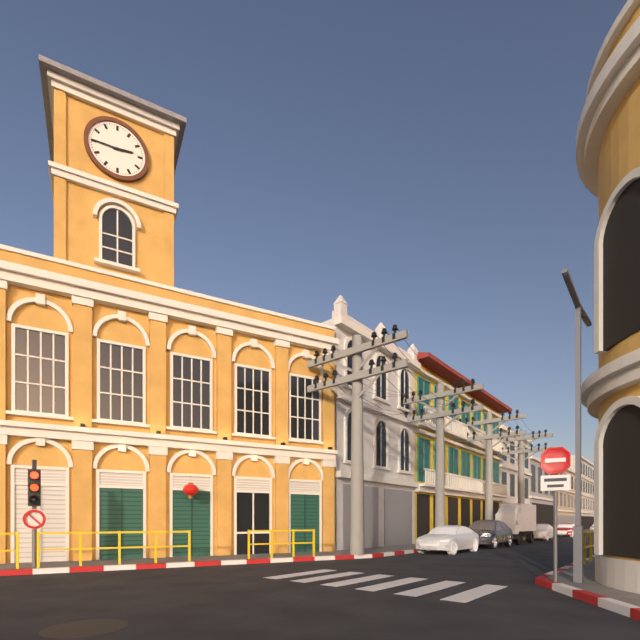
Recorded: 2 h 45 min
